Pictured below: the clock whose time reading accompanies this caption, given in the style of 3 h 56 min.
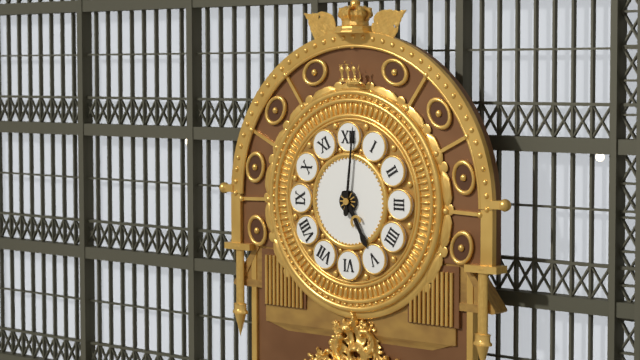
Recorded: 5 h 01 min
